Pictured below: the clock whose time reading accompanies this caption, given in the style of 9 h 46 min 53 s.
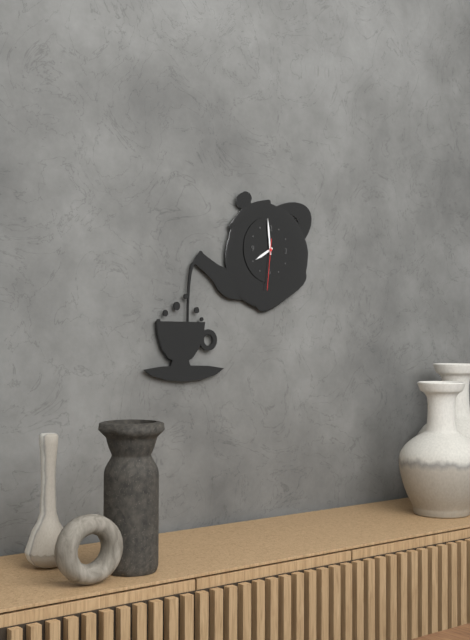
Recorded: 7 h 59 min 31 s
